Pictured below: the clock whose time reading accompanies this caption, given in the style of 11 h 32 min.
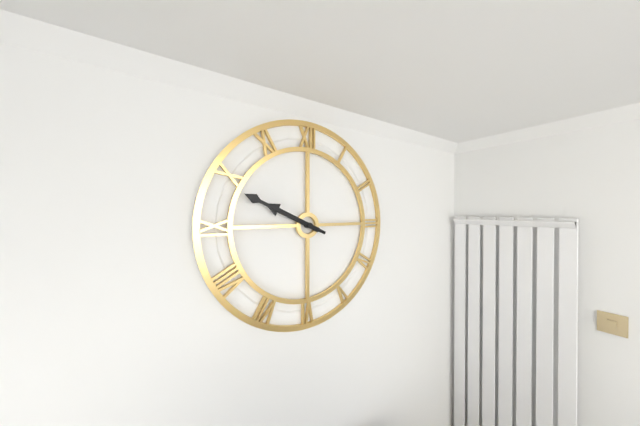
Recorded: 9 h 49 min
